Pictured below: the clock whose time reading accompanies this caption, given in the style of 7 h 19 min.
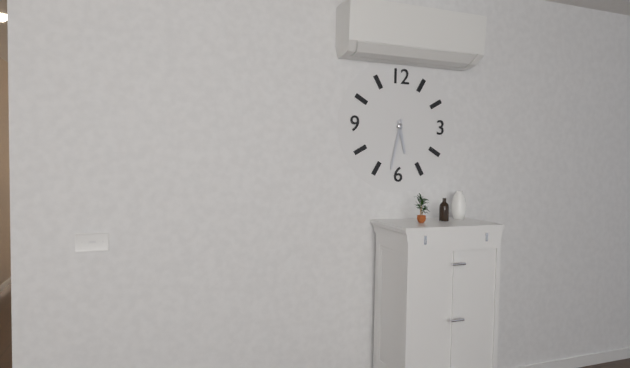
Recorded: 5 h 32 min
